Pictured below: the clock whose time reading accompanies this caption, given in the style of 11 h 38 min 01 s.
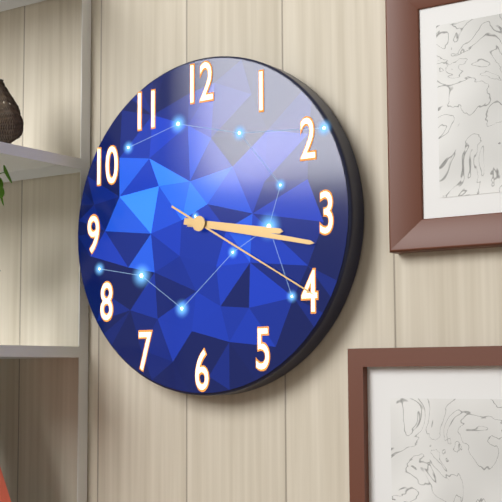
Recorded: 3 h 17 min 20 s
